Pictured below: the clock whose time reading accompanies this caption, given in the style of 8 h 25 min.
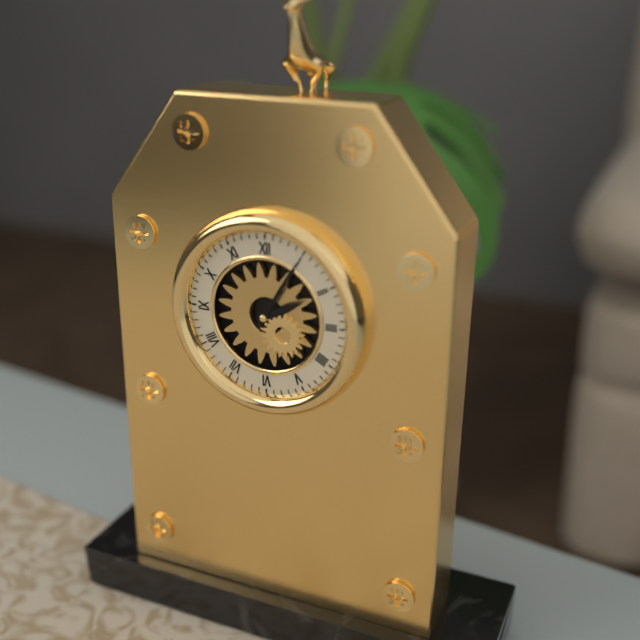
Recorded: 2 h 05 min
